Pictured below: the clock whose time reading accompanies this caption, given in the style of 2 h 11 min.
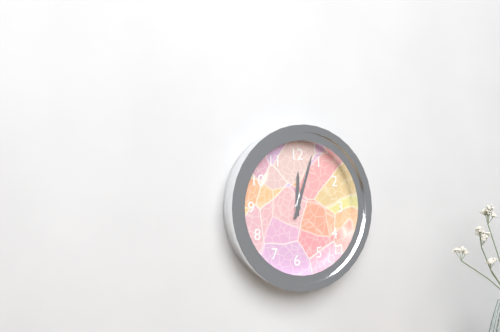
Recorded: 12 h 03 min
